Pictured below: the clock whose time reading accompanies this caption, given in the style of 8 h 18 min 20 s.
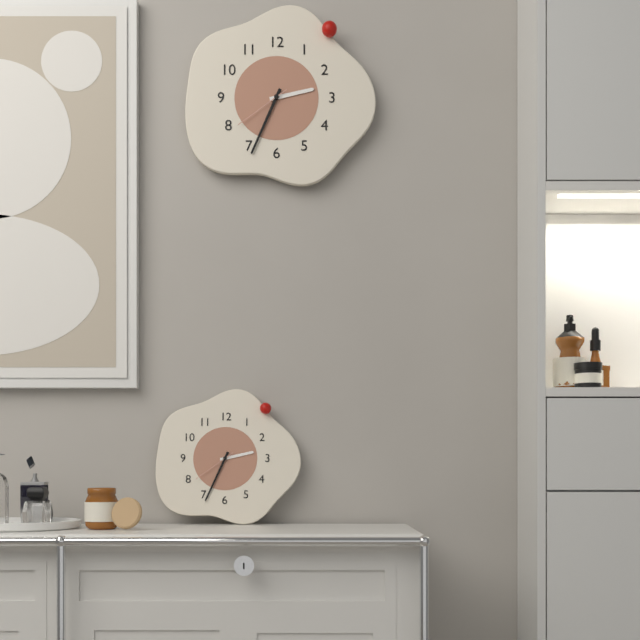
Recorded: 2 h 34 min 39 s
